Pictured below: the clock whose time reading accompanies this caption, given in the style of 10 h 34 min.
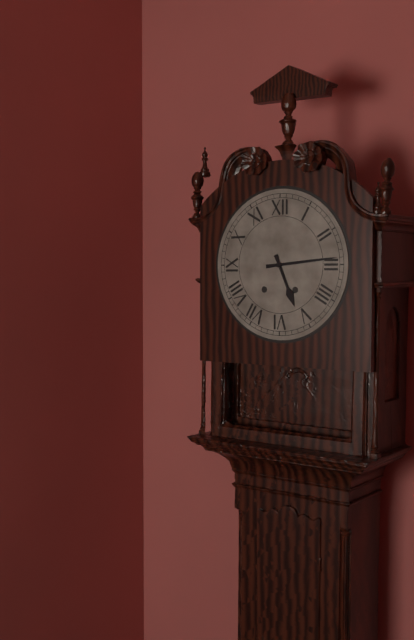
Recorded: 5 h 14 min
